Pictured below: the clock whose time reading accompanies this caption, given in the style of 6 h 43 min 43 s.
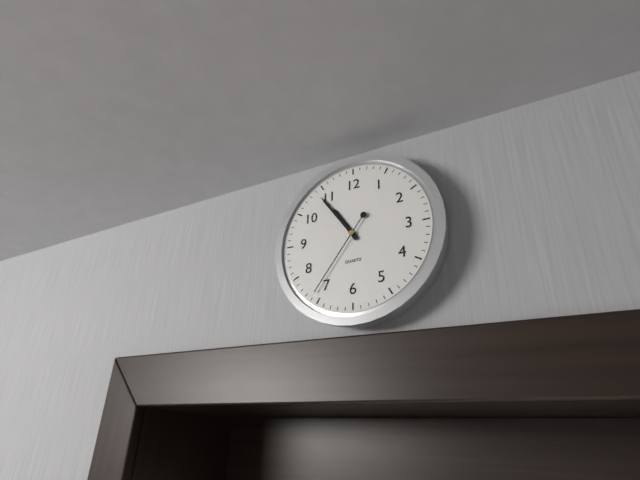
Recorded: 10 h 54 min 36 s
